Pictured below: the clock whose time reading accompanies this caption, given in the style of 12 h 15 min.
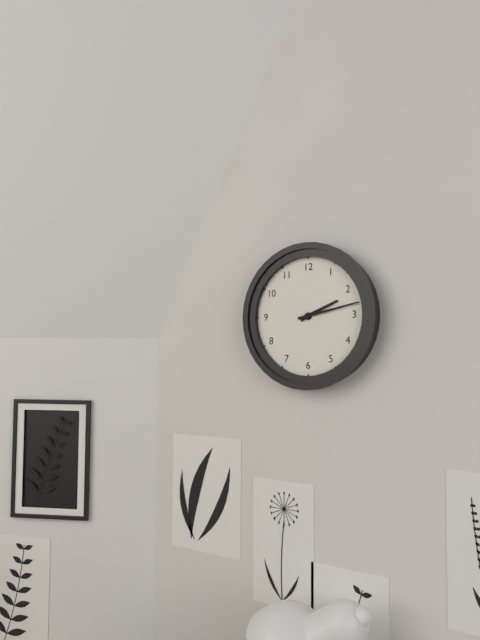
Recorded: 2 h 13 min
